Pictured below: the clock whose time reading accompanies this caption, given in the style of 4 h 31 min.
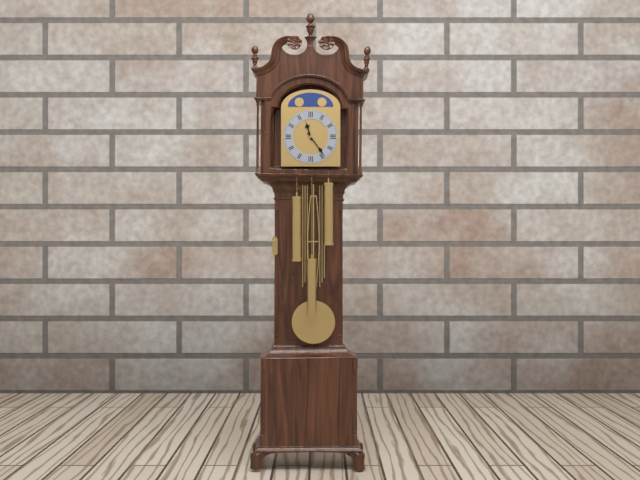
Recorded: 11 h 24 min
